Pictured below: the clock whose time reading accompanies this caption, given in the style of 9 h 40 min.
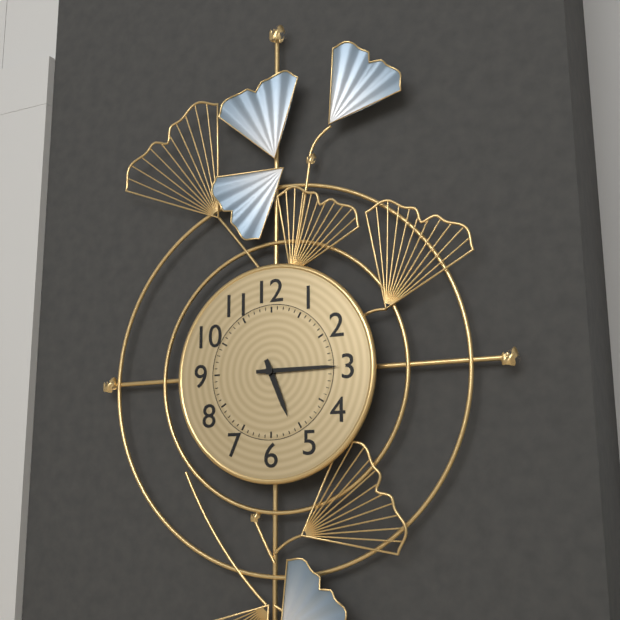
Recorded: 5 h 15 min
